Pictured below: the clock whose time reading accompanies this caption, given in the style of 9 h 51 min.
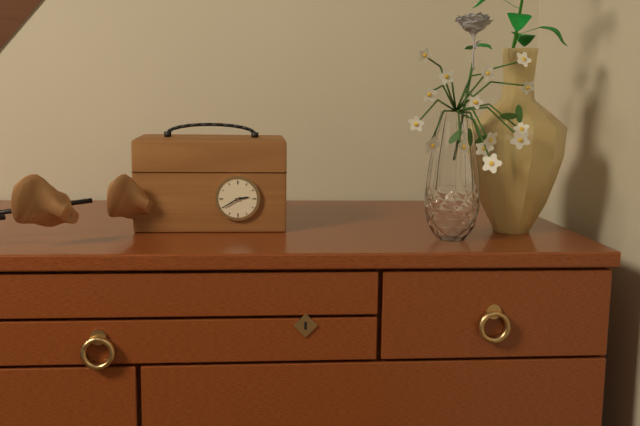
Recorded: 2 h 40 min
